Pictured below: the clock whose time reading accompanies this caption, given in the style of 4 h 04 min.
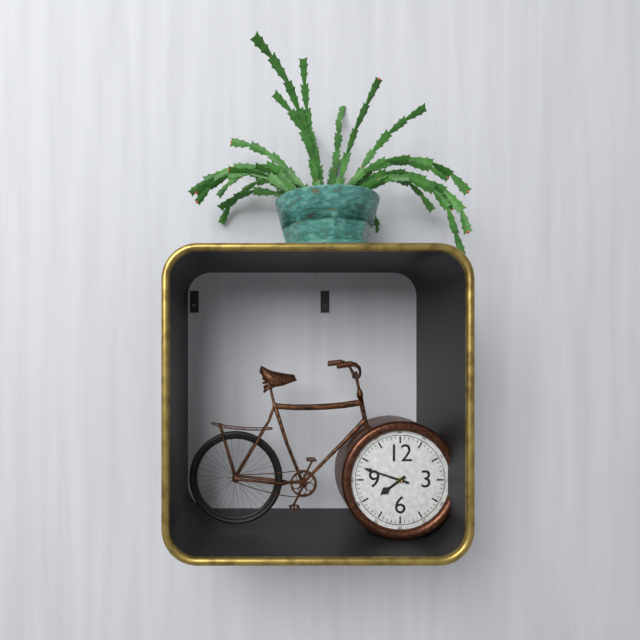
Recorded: 7 h 48 min
